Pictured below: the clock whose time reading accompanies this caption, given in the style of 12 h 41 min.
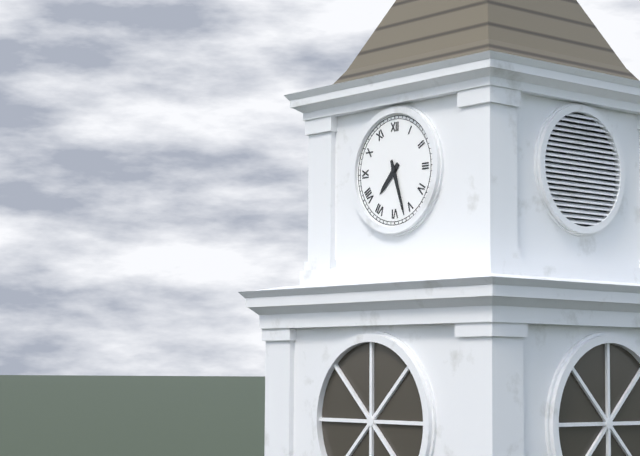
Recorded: 7 h 27 min
